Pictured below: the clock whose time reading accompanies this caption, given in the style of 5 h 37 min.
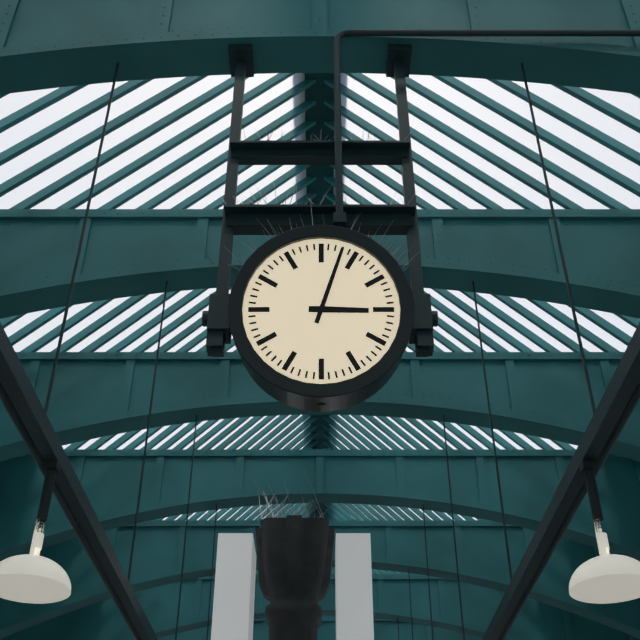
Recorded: 3 h 03 min
